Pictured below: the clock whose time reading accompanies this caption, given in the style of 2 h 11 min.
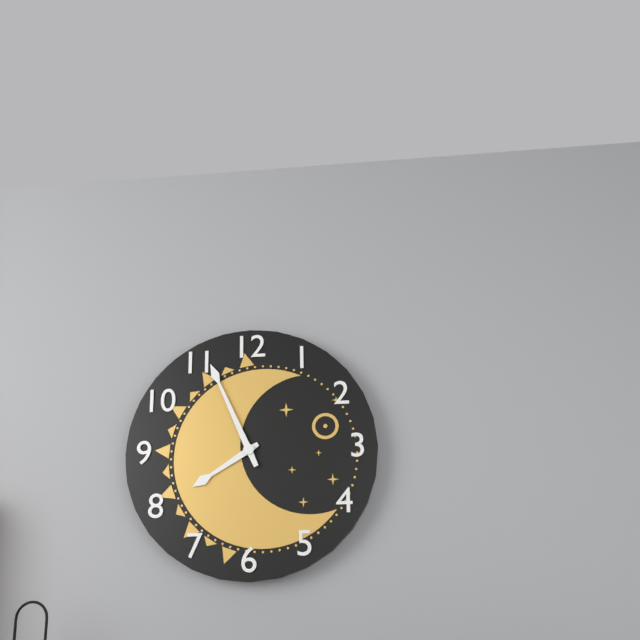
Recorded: 7 h 56 min
